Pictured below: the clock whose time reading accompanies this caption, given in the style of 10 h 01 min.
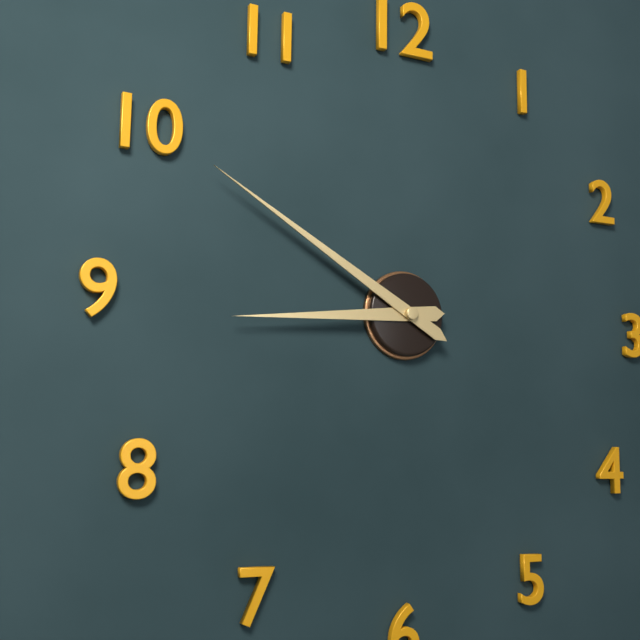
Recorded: 8 h 50 min
